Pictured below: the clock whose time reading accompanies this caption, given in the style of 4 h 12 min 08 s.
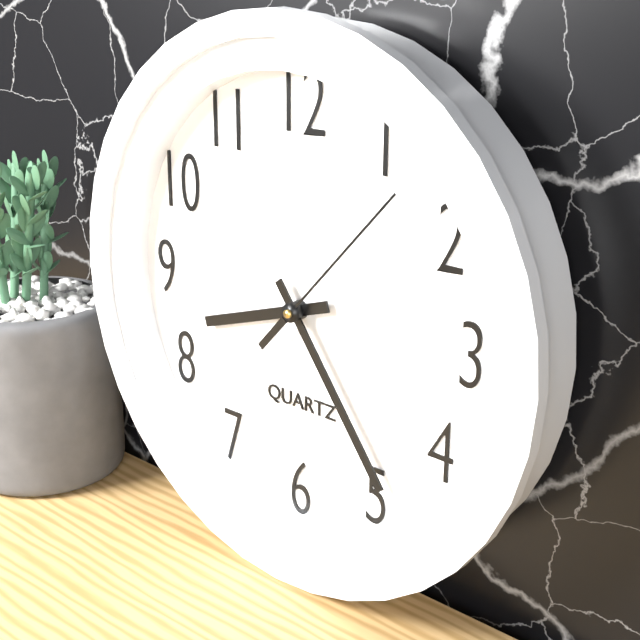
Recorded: 8 h 24 min 07 s
